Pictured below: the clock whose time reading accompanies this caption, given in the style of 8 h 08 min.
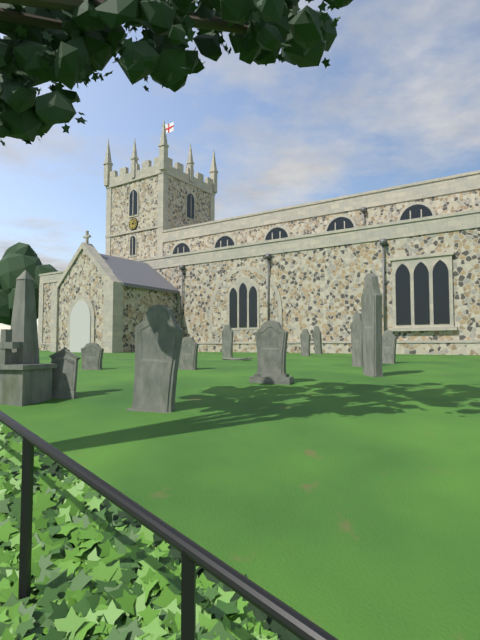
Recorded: 3 h 07 min
